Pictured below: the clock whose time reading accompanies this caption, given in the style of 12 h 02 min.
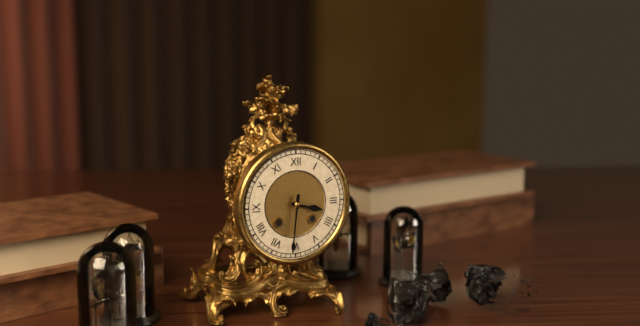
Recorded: 3 h 31 min
